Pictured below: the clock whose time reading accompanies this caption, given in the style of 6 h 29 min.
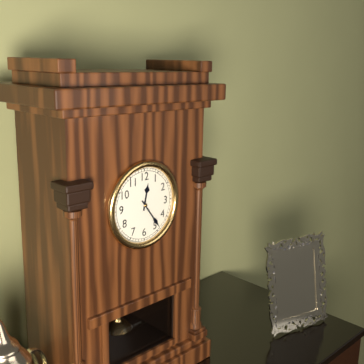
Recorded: 12 h 24 min
